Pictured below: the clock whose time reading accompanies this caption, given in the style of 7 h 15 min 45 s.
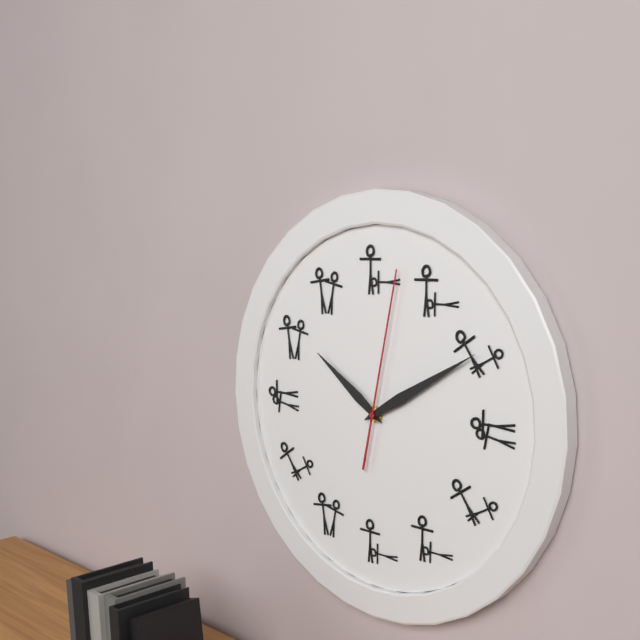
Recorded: 10 h 10 min 02 s
